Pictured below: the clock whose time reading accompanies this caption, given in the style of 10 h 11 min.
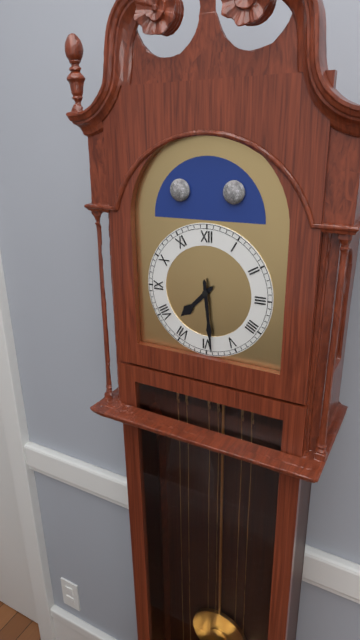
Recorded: 7 h 29 min
